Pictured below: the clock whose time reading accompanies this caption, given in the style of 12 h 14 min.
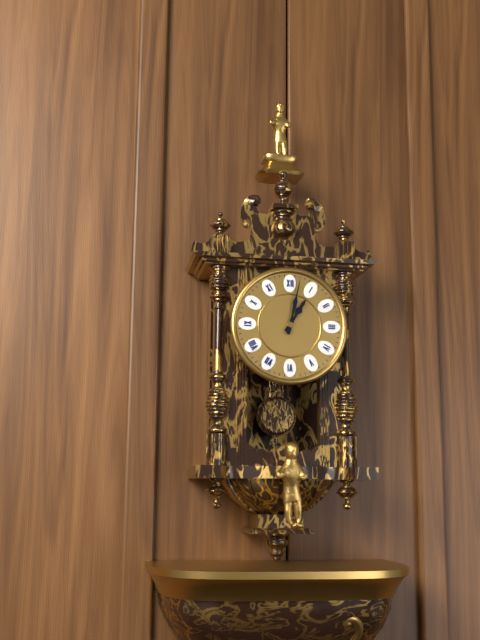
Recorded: 1 h 02 min
